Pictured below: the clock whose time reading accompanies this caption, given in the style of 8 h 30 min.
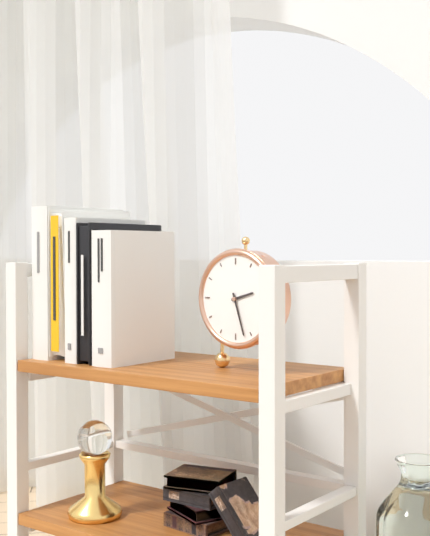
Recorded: 2 h 27 min
